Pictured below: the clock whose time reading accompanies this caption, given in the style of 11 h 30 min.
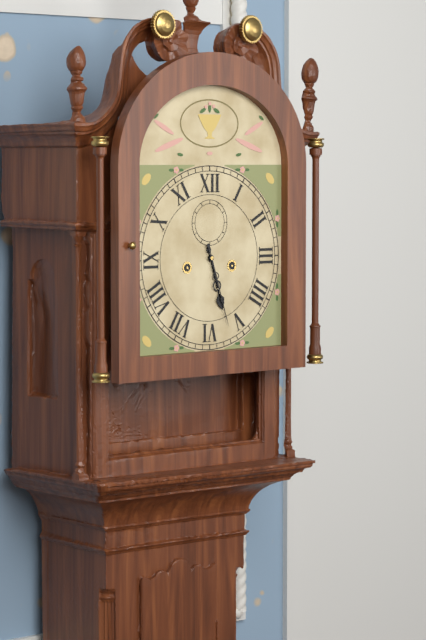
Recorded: 5 h 27 min
